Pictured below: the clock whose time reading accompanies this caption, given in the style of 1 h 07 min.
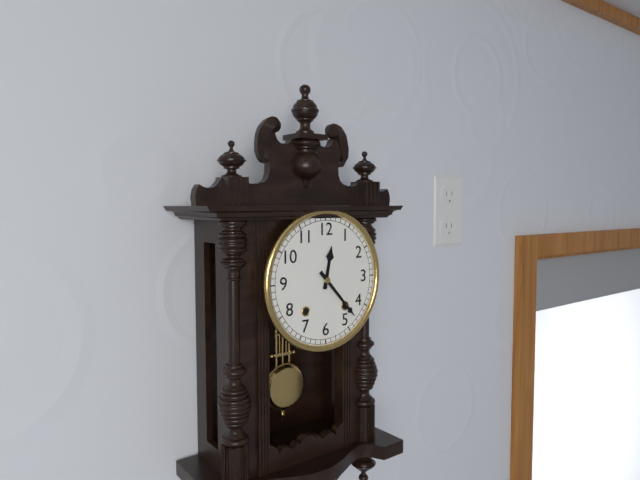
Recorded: 12 h 23 min
